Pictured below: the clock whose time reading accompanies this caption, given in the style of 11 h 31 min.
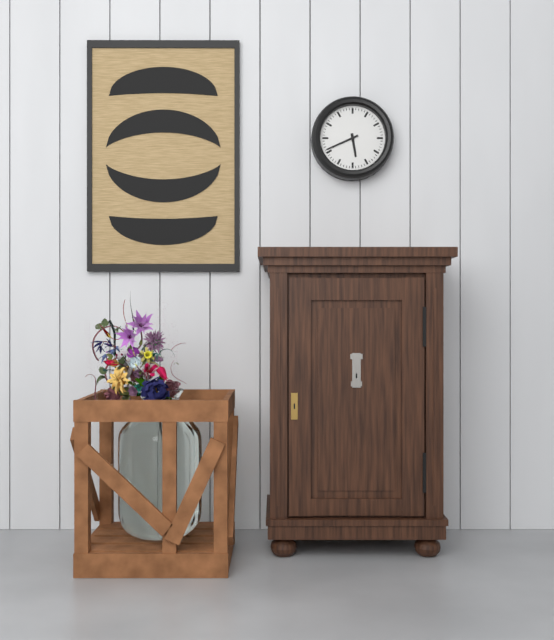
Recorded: 5 h 41 min
